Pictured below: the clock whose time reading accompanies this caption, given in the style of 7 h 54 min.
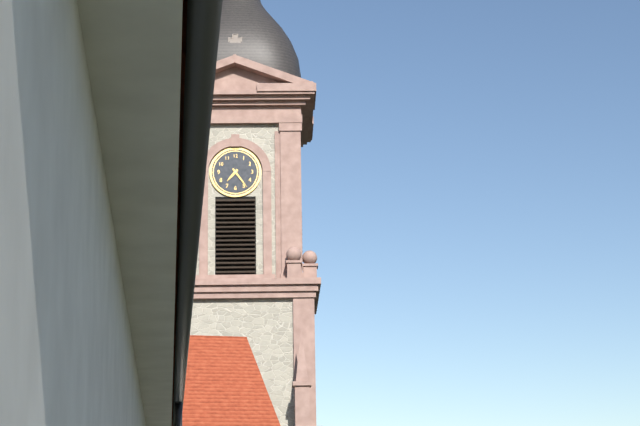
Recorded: 7 h 24 min
